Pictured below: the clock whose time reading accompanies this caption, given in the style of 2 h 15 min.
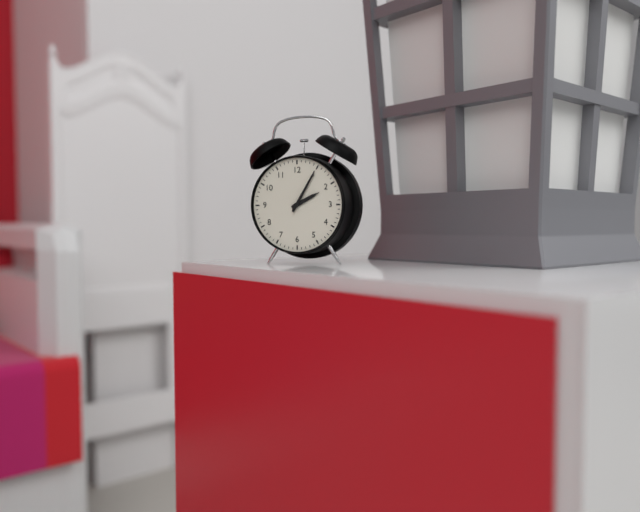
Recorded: 2 h 05 min
